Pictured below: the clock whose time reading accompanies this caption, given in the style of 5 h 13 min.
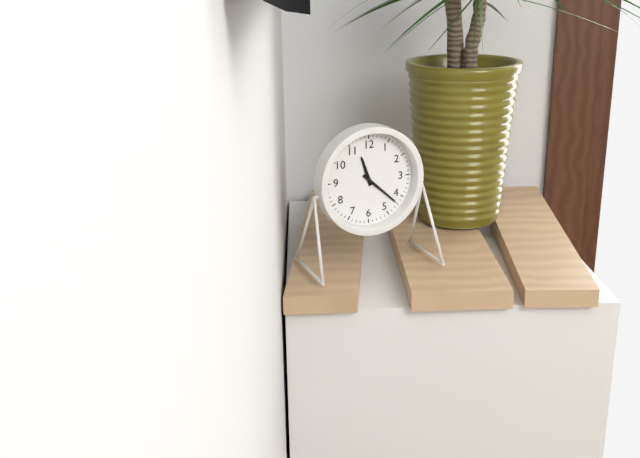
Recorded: 11 h 22 min
